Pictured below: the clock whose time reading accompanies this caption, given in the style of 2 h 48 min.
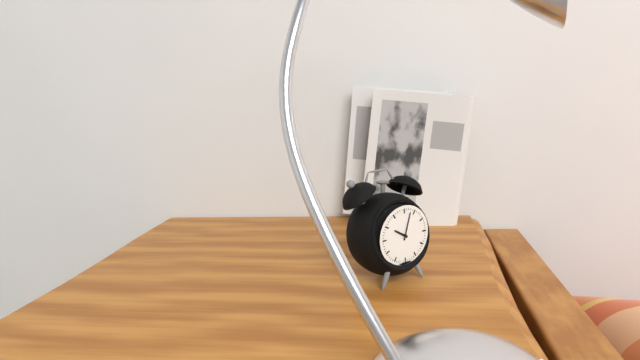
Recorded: 10 h 03 min
